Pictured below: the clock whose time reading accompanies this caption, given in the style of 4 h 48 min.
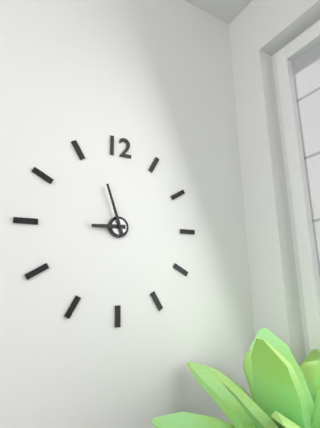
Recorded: 8 h 57 min
